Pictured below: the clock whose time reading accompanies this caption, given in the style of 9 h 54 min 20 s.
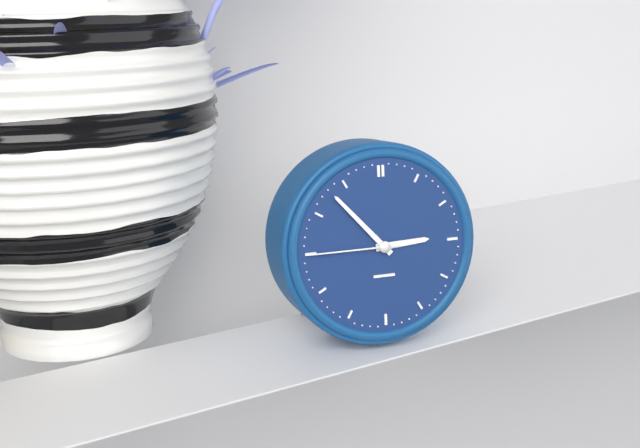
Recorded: 2 h 53 min 45 s
